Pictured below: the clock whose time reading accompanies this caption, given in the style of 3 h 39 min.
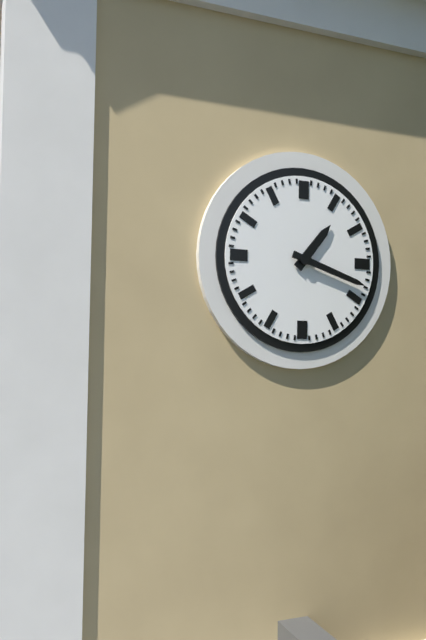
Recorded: 1 h 18 min
